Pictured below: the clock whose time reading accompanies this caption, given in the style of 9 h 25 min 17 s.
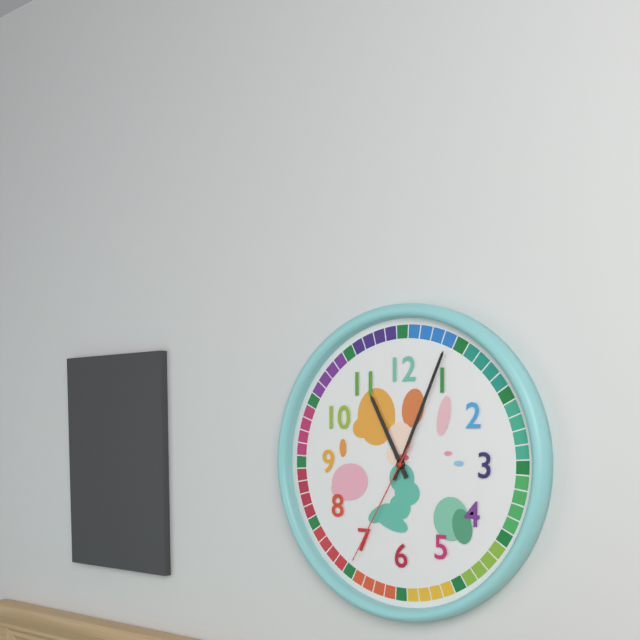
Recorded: 11 h 04 min 35 s
